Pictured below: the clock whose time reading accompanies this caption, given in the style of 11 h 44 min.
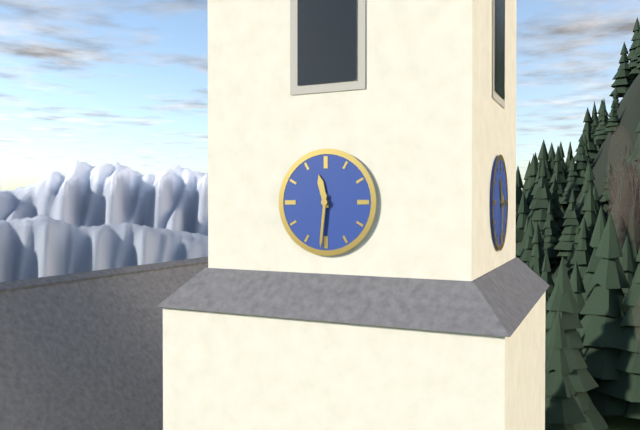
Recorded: 11 h 31 min
